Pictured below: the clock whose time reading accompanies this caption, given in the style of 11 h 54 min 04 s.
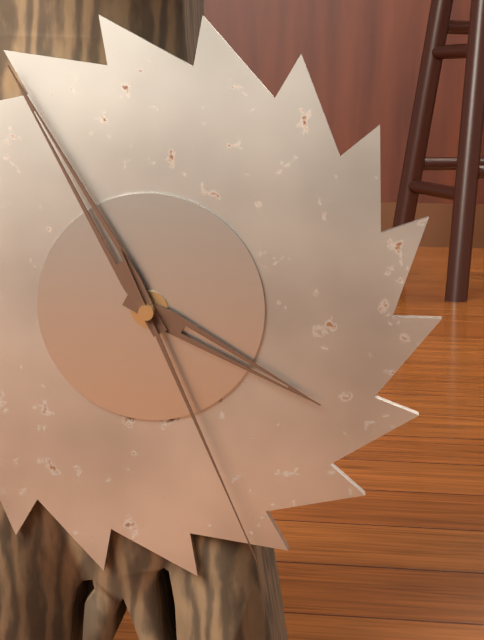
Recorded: 3 h 55 min 26 s
